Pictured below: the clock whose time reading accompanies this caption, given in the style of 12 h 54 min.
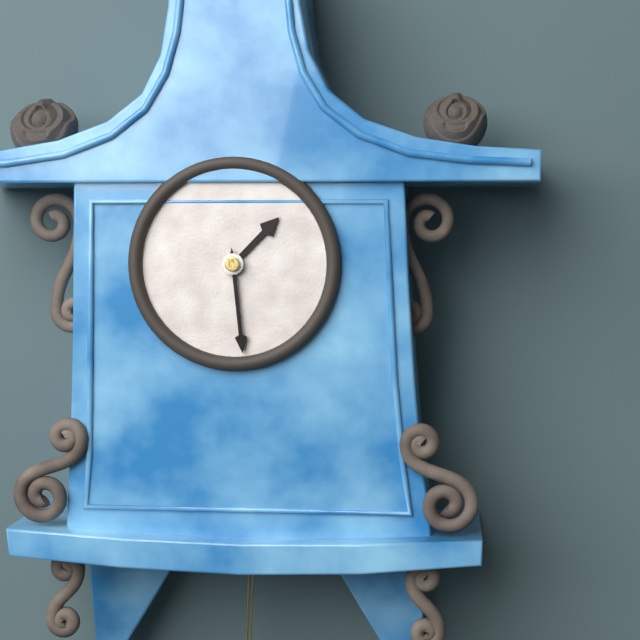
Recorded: 1 h 29 min
